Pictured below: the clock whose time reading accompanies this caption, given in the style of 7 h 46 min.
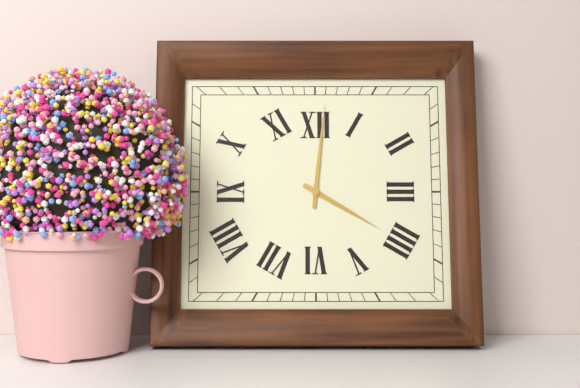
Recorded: 4 h 01 min
